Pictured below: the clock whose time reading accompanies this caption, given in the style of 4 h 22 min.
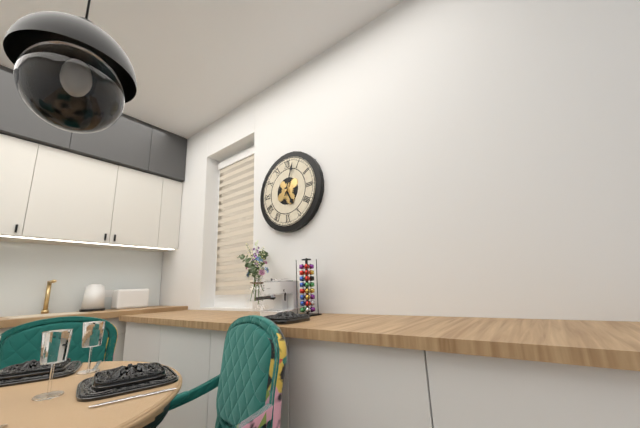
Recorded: 5 h 03 min
